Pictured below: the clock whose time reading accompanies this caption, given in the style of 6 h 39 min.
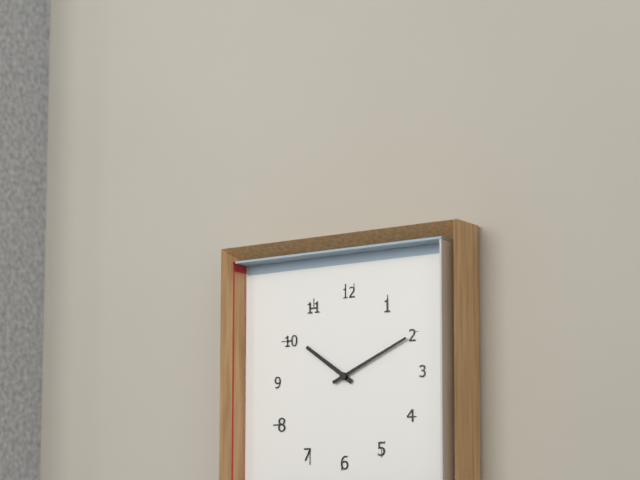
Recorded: 10 h 11 min
